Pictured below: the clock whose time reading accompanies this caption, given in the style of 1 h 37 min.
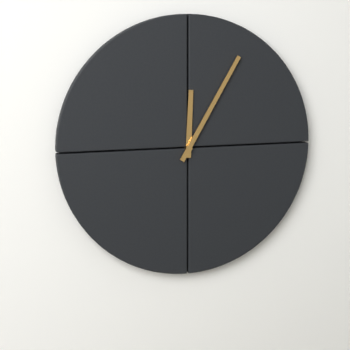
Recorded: 12 h 05 min
